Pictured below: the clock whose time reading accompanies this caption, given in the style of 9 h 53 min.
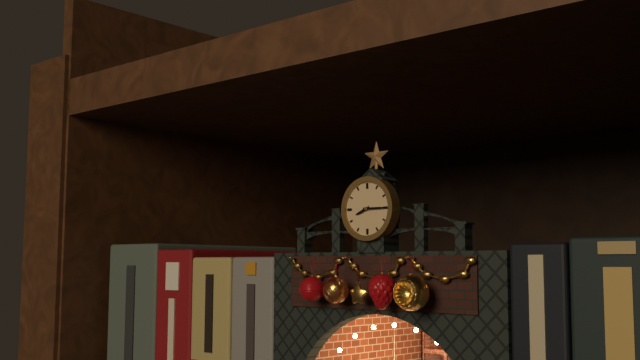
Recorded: 8 h 15 min
